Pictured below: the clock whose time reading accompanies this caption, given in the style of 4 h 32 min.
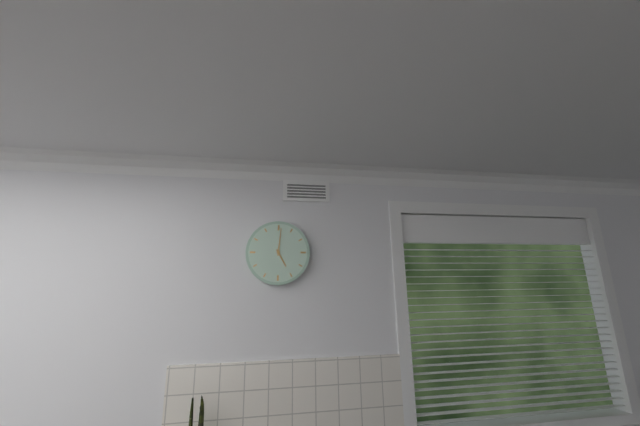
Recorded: 5 h 01 min
